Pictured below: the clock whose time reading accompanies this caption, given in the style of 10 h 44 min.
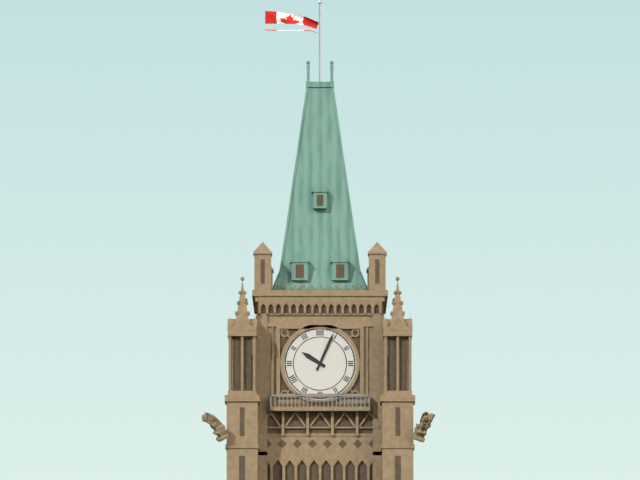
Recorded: 10 h 04 min
